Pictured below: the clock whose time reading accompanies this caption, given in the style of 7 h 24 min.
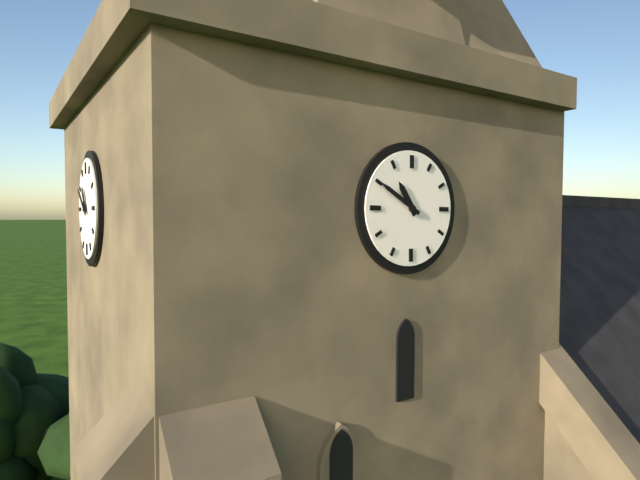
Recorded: 10 h 50 min
